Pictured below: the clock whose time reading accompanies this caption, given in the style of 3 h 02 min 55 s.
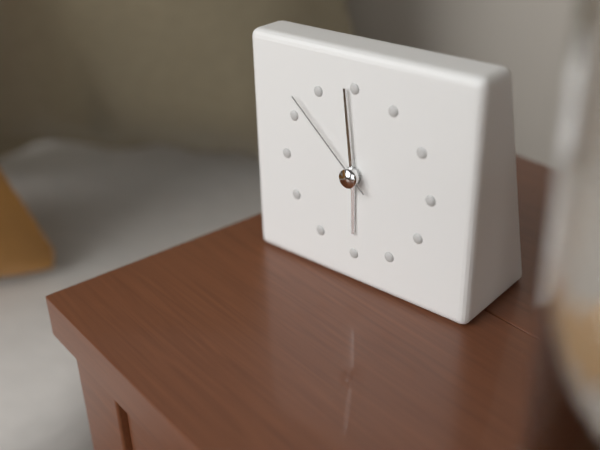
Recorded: 5 h 59 min 52 s
